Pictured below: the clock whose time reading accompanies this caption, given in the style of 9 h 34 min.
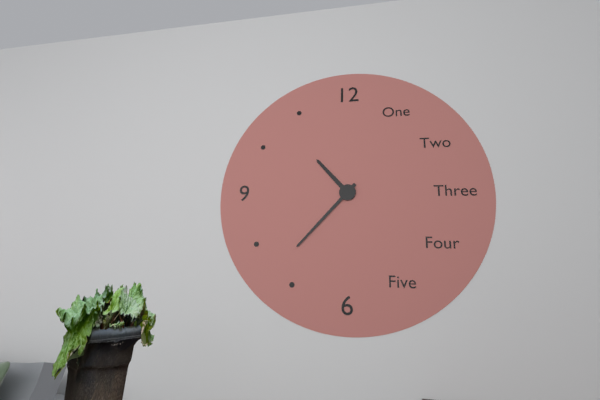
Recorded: 10 h 37 min
